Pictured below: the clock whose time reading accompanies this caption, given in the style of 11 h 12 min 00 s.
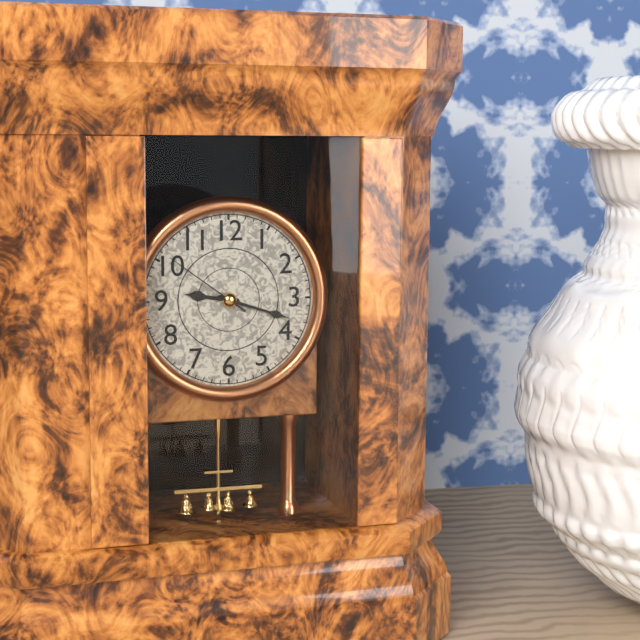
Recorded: 9 h 18 min 51 s
